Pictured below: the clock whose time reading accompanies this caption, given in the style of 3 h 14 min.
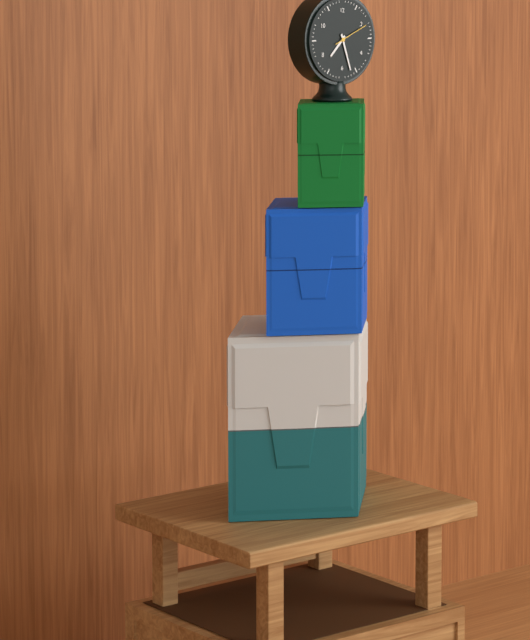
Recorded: 7 h 27 min
